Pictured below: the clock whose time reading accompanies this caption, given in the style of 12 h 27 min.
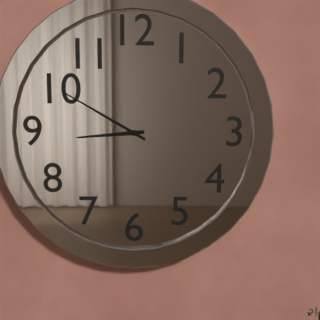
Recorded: 8 h 50 min
